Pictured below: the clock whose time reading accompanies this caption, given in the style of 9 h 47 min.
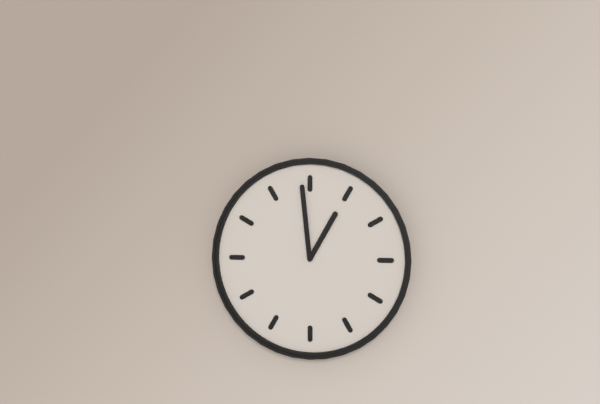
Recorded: 12 h 59 min
